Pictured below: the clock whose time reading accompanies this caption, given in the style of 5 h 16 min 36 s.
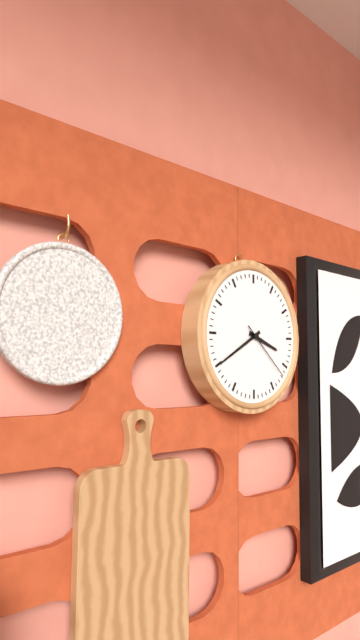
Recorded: 3 h 40 min 22 s
